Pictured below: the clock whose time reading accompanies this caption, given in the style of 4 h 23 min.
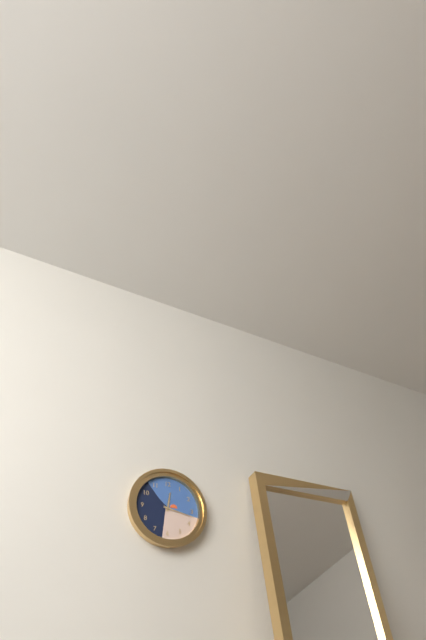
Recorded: 12 h 17 min
